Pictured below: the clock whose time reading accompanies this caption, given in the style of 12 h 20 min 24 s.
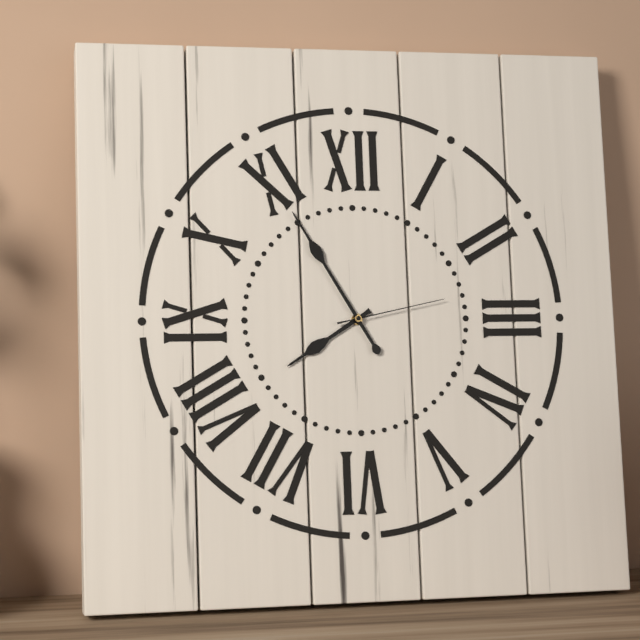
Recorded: 7 h 55 min 13 s
